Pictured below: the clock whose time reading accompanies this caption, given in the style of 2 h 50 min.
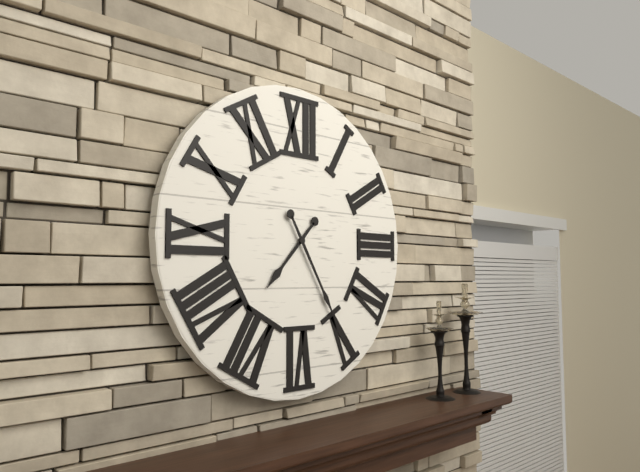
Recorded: 7 h 25 min
